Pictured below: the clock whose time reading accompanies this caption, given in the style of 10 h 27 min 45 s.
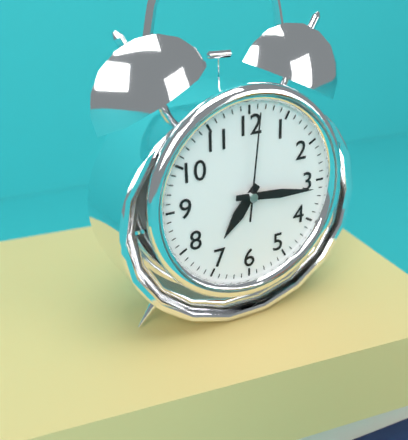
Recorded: 7 h 16 min 01 s
